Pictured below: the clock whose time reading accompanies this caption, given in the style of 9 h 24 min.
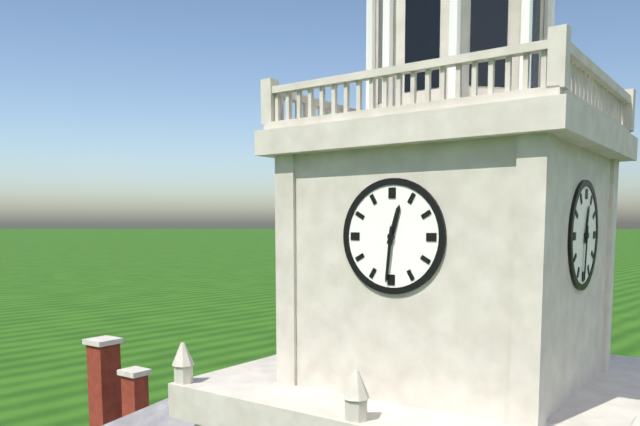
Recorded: 12 h 31 min
